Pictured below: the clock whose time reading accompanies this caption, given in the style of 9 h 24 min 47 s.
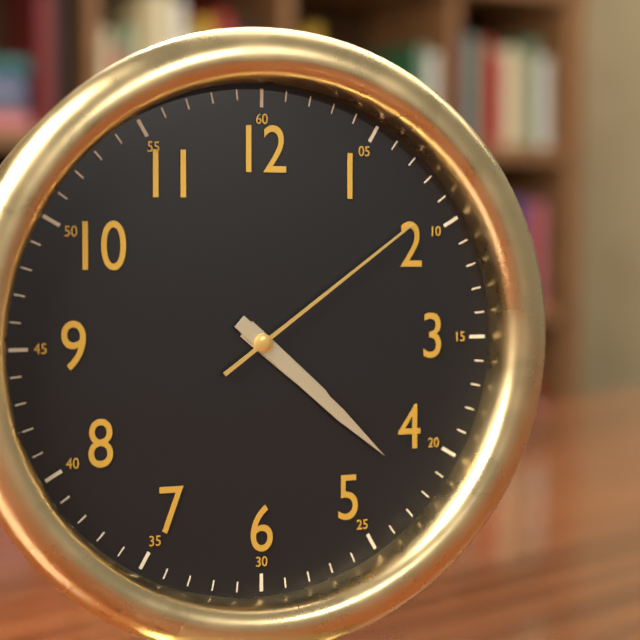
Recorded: 4 h 22 min 09 s
